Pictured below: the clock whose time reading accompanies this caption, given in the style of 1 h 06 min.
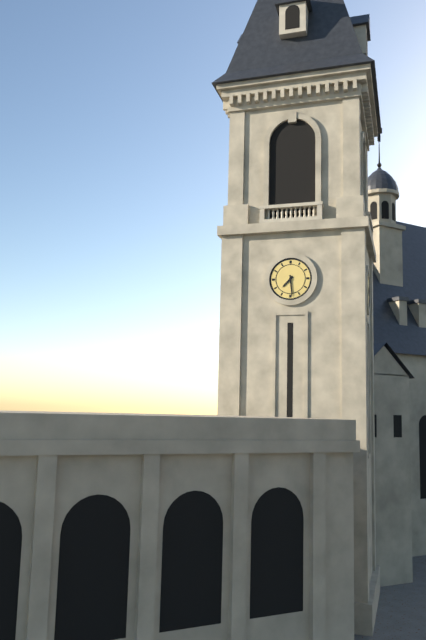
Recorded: 7 h 29 min
